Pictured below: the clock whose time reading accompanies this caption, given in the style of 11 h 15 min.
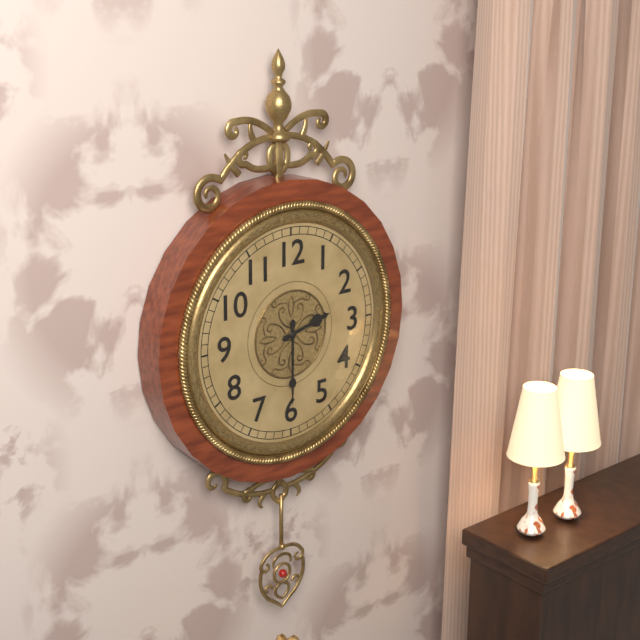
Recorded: 2 h 30 min
